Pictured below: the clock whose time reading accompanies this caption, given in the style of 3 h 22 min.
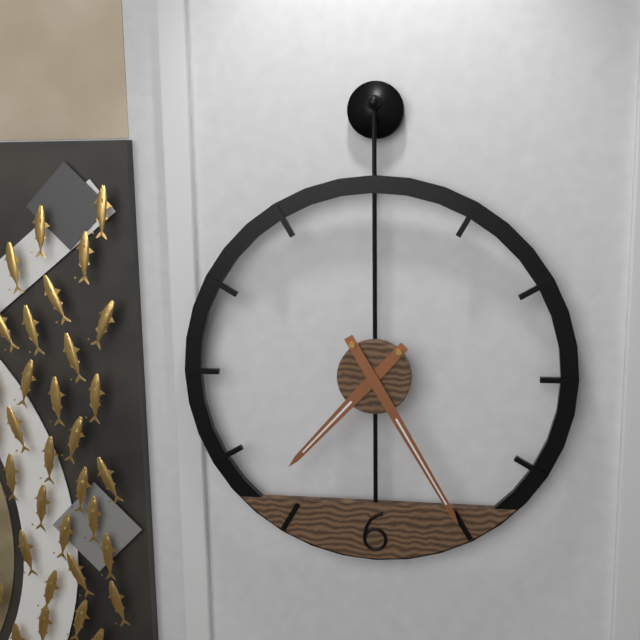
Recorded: 7 h 25 min
